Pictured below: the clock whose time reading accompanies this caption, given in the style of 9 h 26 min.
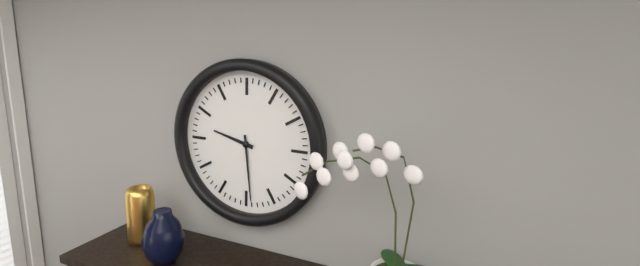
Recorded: 9 h 29 min
